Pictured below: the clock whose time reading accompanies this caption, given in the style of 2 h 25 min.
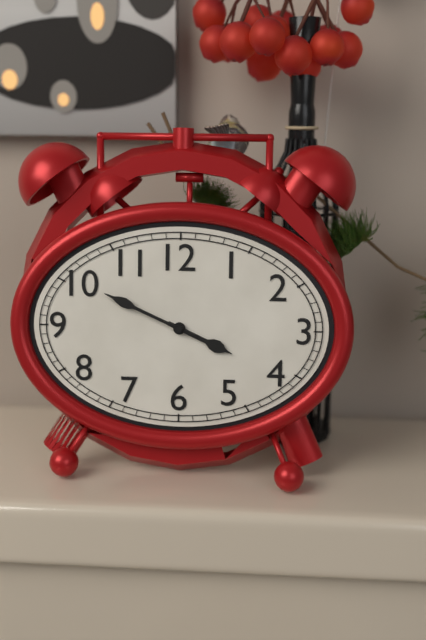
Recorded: 3 h 49 min
